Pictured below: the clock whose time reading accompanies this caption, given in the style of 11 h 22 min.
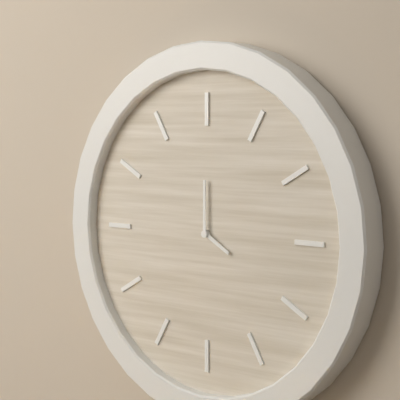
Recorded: 4 h 00 min
